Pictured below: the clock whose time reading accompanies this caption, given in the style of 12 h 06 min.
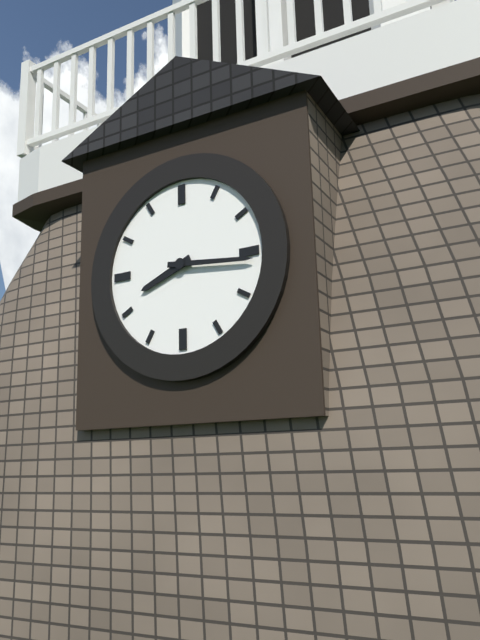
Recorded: 8 h 16 min
